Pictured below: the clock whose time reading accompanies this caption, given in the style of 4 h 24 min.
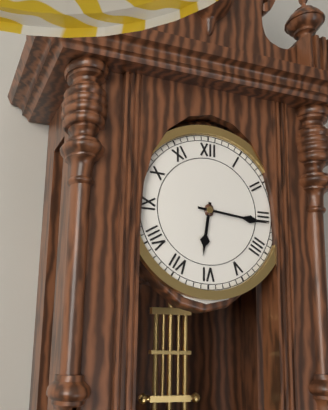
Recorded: 6 h 16 min
